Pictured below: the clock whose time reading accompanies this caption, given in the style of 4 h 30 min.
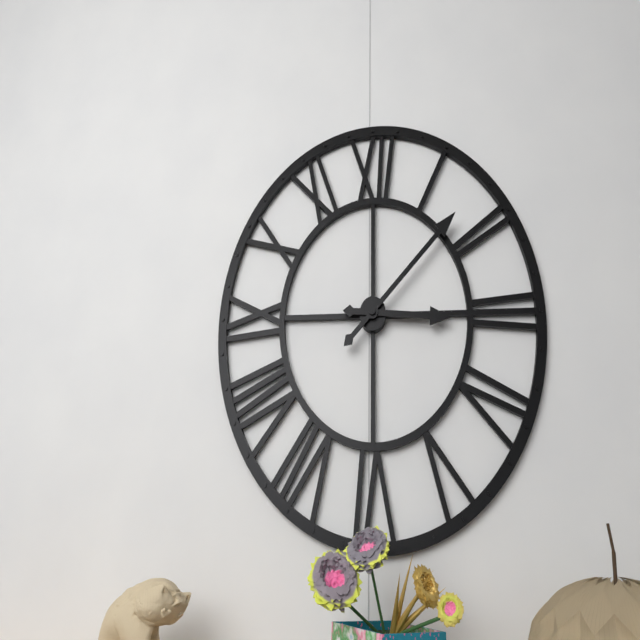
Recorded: 3 h 08 min
